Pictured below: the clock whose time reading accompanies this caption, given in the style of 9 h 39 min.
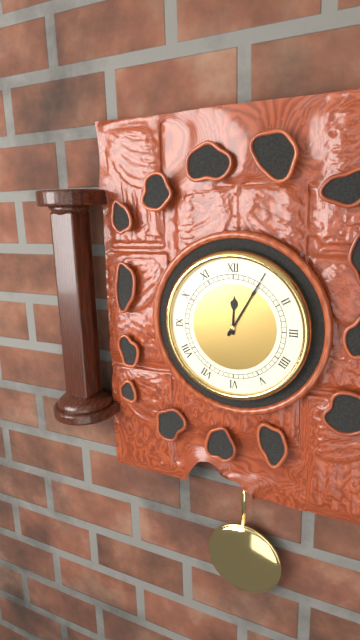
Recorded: 12 h 05 min
